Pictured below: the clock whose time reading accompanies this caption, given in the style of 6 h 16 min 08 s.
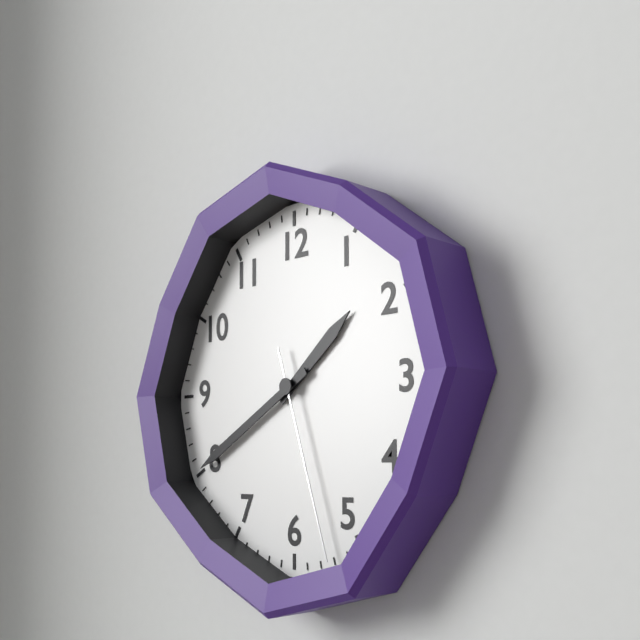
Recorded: 1 h 40 min 27 s
